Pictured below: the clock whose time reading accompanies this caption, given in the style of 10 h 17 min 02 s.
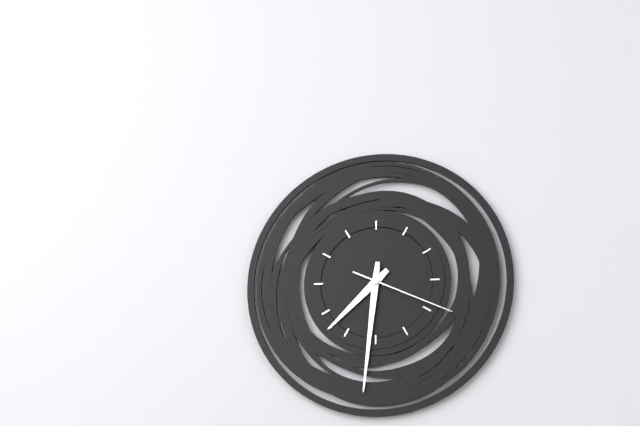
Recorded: 7 h 31 min 19 s
